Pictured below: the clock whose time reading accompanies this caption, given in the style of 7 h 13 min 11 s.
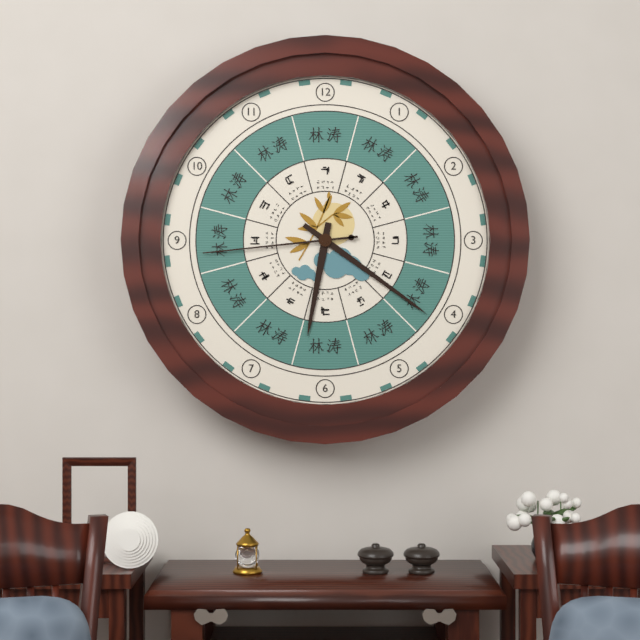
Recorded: 6 h 21 min 44 s
